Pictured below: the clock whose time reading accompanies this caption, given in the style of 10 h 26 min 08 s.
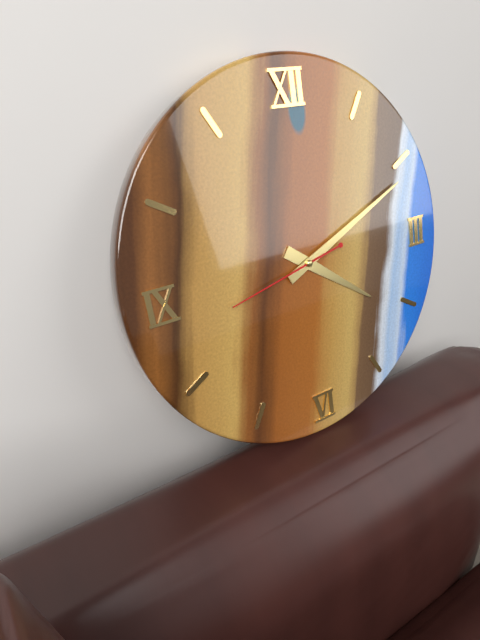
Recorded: 4 h 11 min 43 s
